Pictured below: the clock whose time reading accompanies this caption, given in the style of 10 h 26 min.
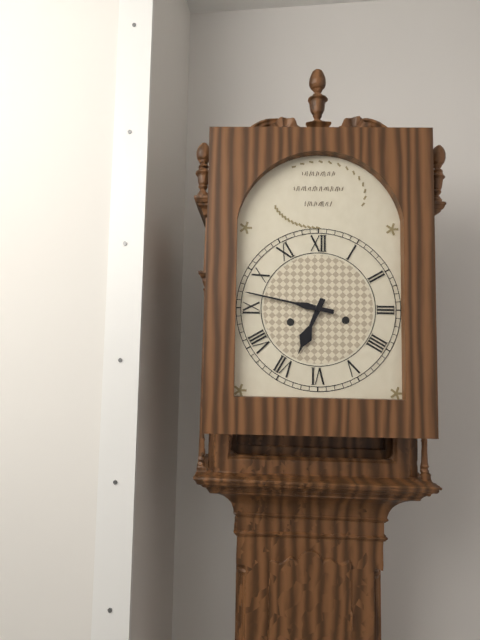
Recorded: 6 h 47 min
